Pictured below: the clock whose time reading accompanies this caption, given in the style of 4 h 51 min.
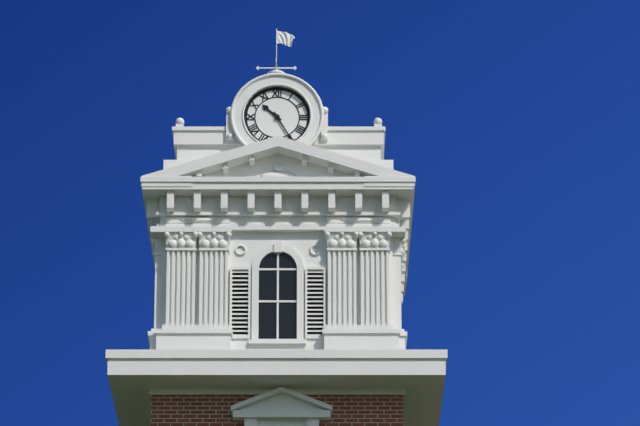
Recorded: 10 h 25 min
